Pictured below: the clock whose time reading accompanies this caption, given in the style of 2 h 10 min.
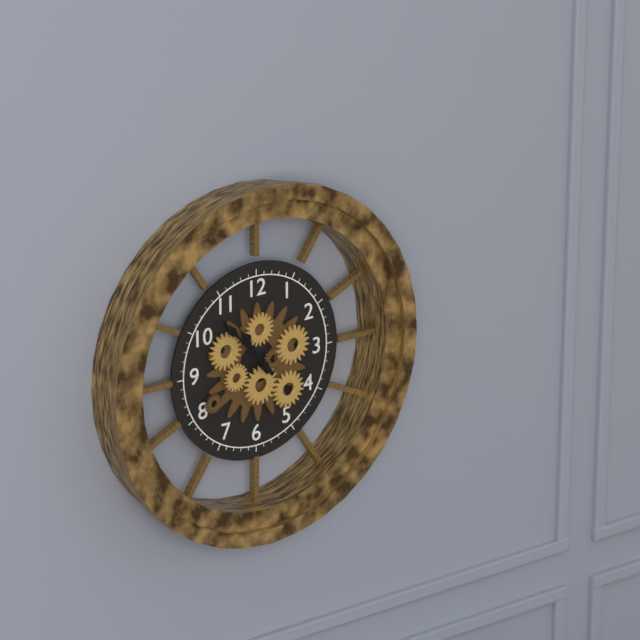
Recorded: 10 h 53 min
